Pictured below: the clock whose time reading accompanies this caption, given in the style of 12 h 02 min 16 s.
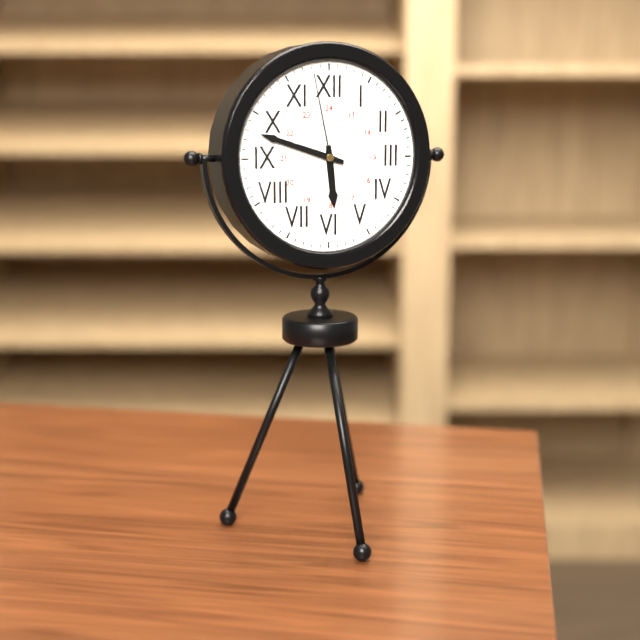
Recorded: 5 h 48 min 58 s
